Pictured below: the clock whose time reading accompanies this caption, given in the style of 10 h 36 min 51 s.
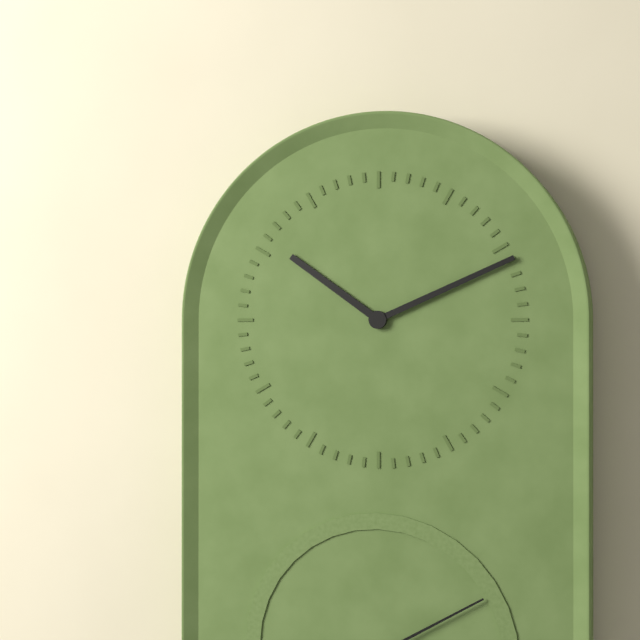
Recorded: 10 h 11 min 10 s
